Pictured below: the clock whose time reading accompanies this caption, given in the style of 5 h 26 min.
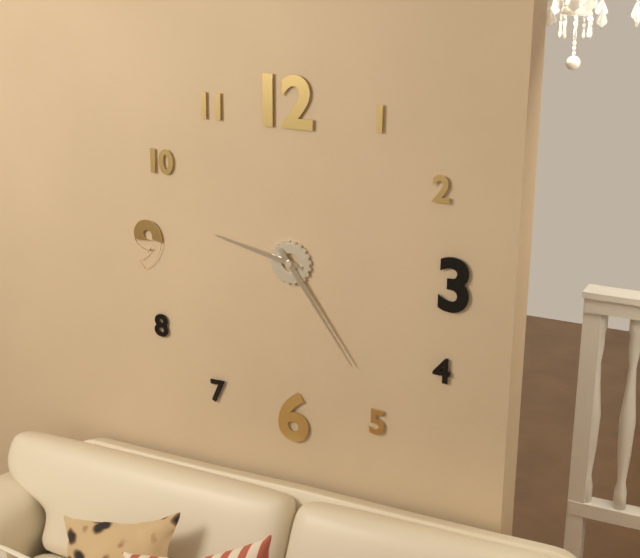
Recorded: 9 h 24 min
